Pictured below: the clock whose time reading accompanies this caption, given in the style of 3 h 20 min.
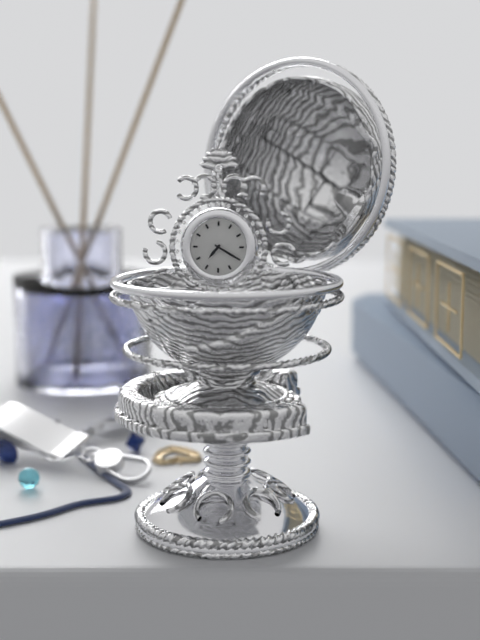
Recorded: 7 h 20 min
